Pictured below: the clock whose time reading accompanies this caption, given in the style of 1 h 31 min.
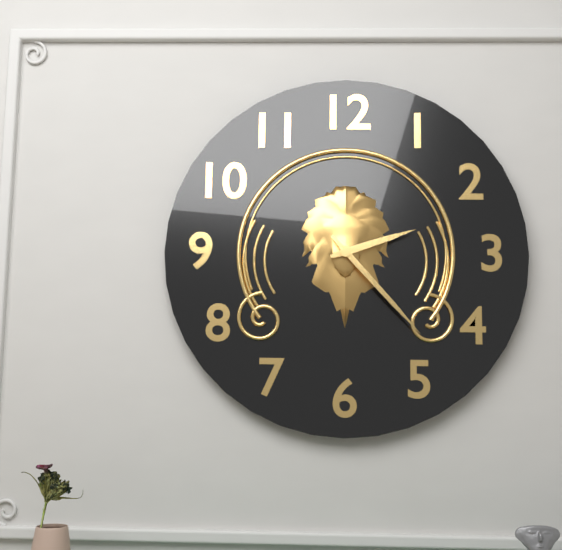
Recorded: 2 h 23 min
